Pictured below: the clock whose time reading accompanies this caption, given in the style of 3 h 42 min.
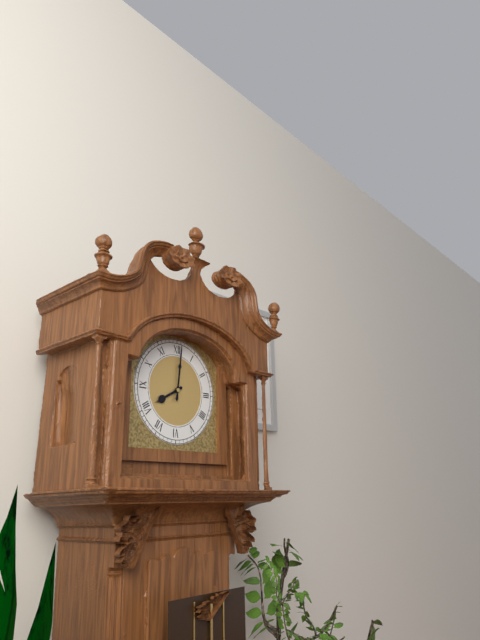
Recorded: 8 h 01 min
